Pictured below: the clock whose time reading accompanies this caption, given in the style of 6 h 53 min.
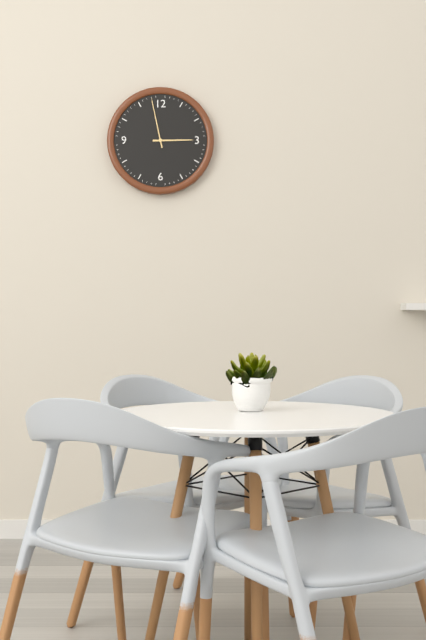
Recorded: 2 h 58 min
